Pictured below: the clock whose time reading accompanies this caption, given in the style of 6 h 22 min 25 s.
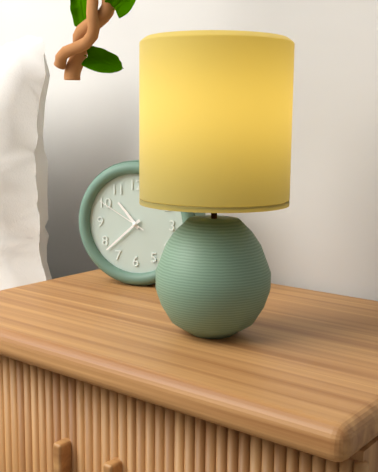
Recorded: 10 h 38 min 50 s
